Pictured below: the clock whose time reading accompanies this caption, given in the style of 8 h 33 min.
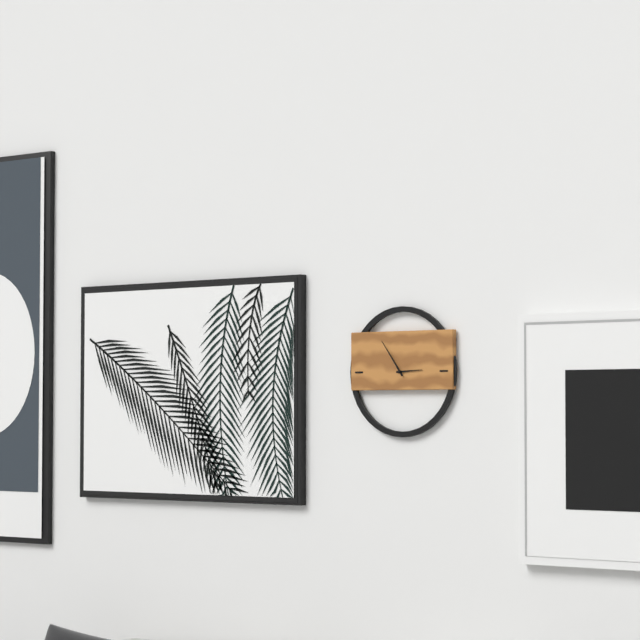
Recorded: 2 h 54 min
